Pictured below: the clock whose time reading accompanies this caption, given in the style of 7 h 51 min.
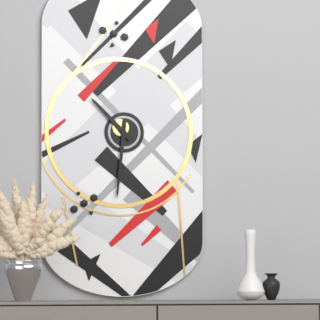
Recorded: 10 h 31 min
